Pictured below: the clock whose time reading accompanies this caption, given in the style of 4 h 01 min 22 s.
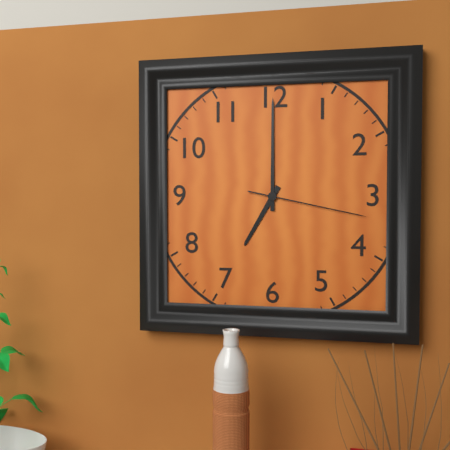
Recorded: 7 h 00 min 17 s
